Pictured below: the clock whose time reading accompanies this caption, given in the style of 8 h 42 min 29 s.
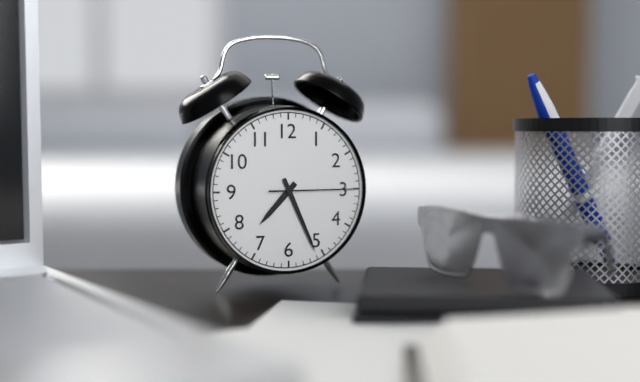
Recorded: 7 h 26 min 15 s
